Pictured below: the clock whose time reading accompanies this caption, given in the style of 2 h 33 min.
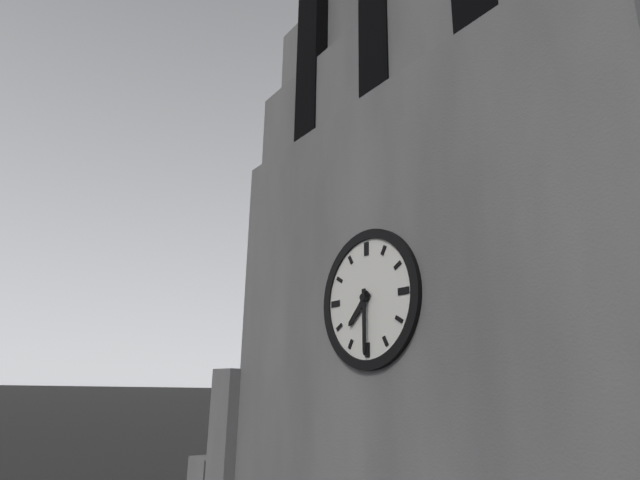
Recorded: 7 h 30 min
